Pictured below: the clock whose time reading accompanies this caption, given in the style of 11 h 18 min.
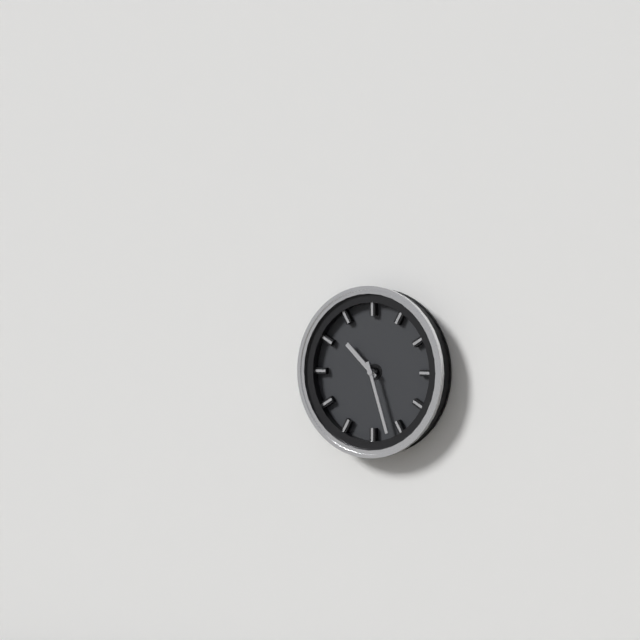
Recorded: 10 h 27 min
